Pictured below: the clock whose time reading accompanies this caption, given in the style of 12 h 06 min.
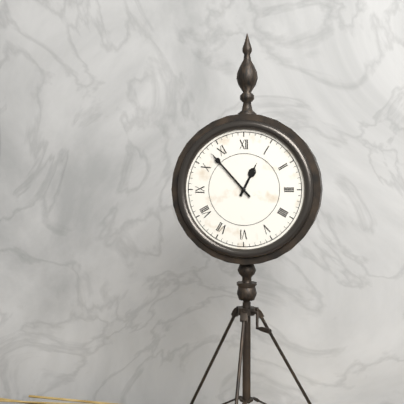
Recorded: 12 h 53 min
